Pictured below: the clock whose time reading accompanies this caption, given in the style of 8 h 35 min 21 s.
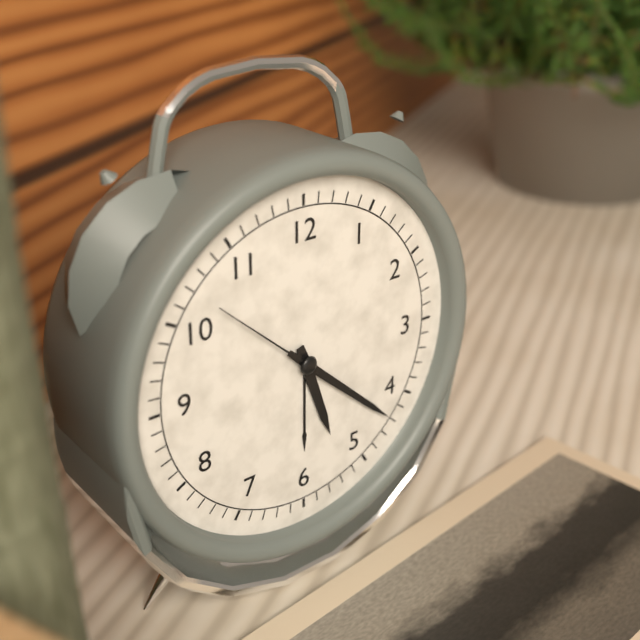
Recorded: 5 h 22 min 52 s
